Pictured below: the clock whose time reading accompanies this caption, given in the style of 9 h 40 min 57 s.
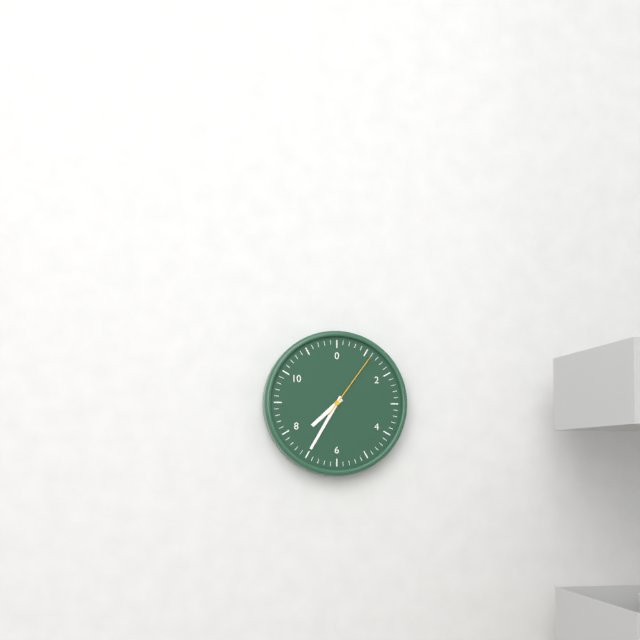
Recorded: 7 h 35 min 06 s
